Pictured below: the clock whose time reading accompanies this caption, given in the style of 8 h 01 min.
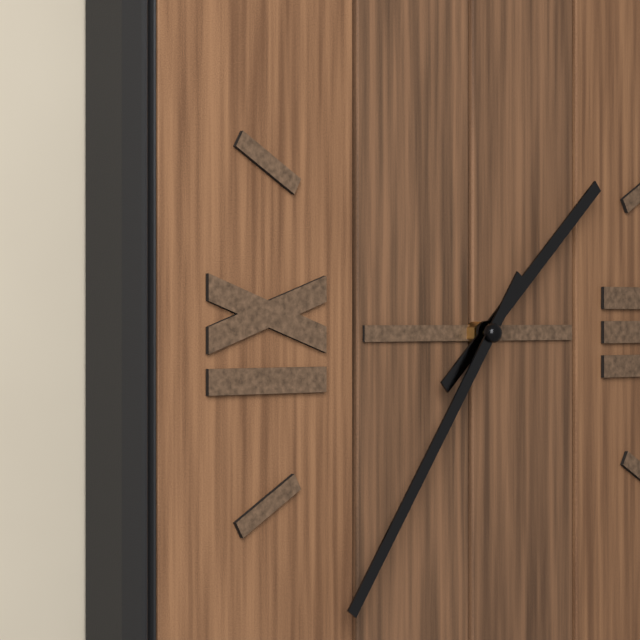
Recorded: 1 h 36 min
